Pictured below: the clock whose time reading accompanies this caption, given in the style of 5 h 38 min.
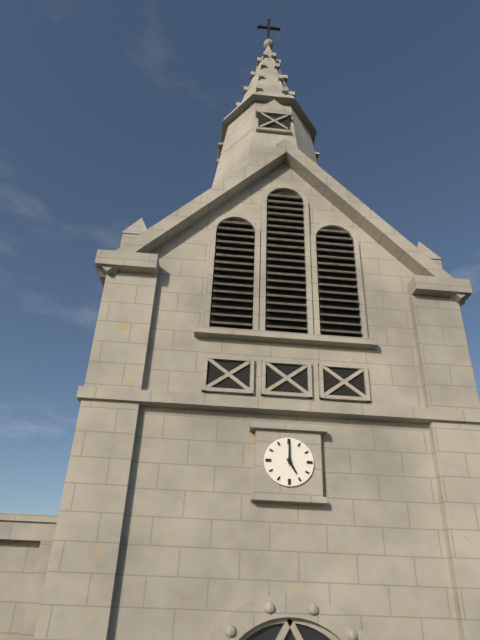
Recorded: 5 h 00 min
